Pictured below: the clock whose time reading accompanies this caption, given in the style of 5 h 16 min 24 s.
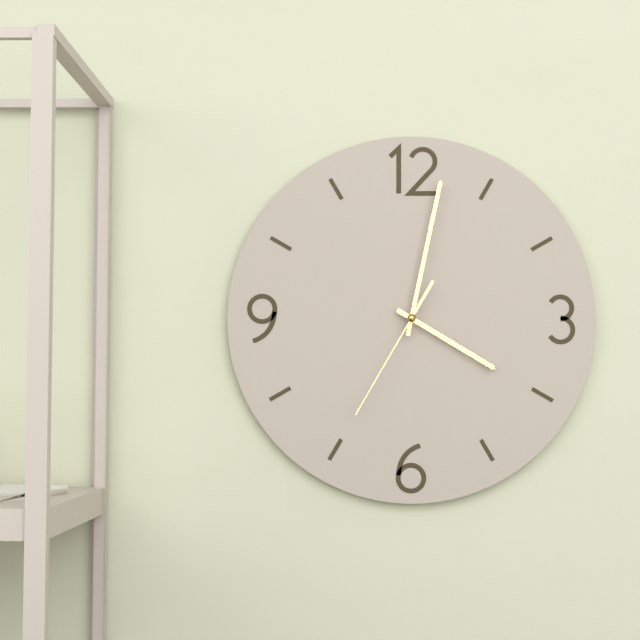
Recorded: 4 h 02 min 35 s
